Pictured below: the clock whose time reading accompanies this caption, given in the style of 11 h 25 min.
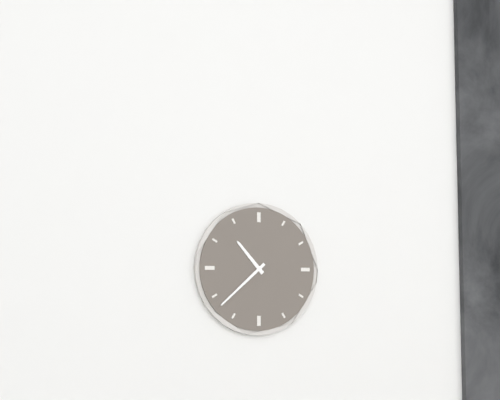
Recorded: 10 h 38 min
